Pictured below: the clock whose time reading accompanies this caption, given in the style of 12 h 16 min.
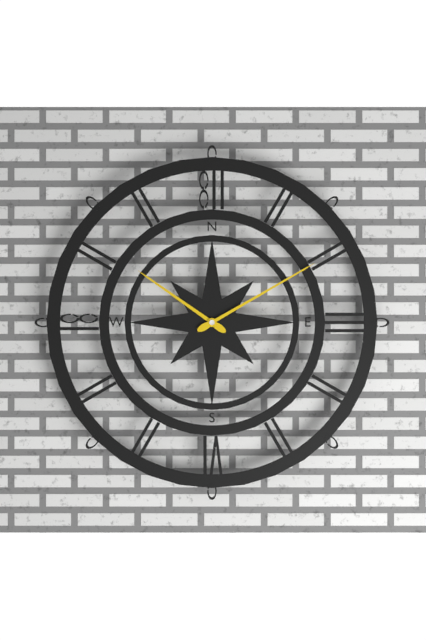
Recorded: 10 h 10 min
